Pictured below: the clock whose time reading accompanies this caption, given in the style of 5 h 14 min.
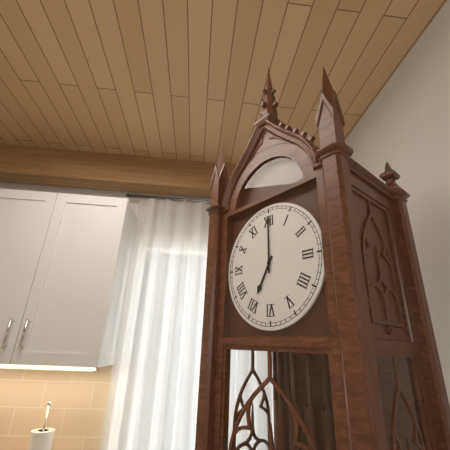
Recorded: 7 h 00 min
